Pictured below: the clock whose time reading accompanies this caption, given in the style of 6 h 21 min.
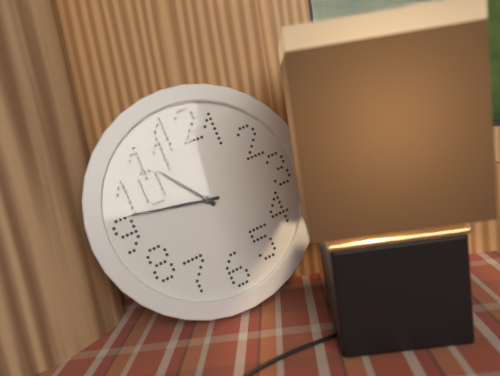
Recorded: 10 h 47 min
